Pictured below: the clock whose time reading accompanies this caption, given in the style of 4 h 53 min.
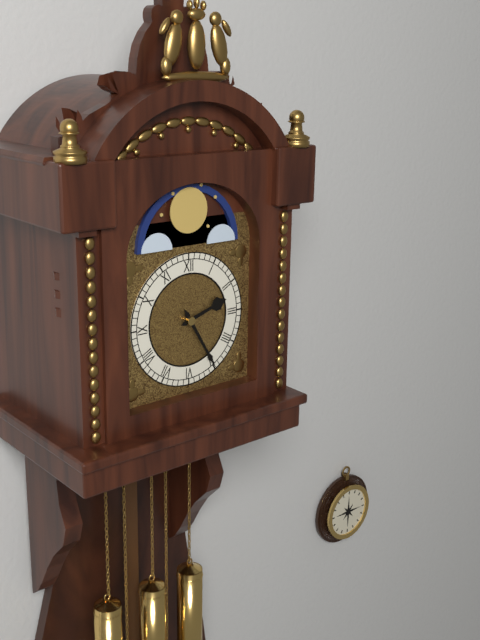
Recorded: 2 h 25 min
